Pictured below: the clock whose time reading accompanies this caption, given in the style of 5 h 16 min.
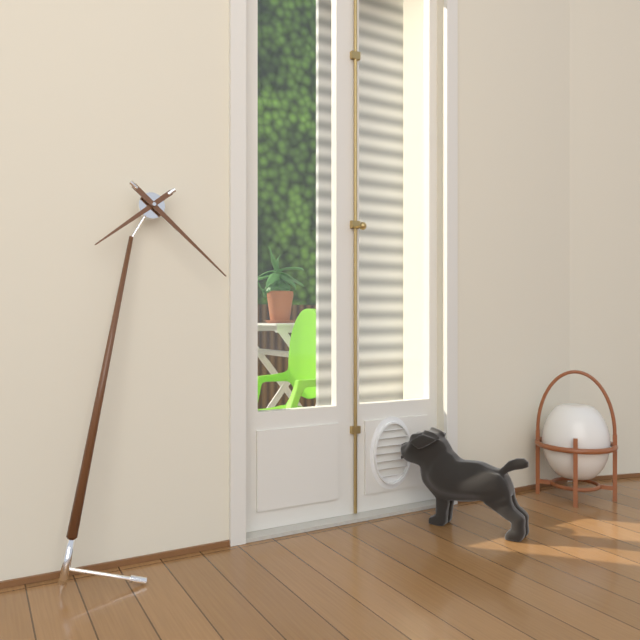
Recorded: 7 h 20 min
